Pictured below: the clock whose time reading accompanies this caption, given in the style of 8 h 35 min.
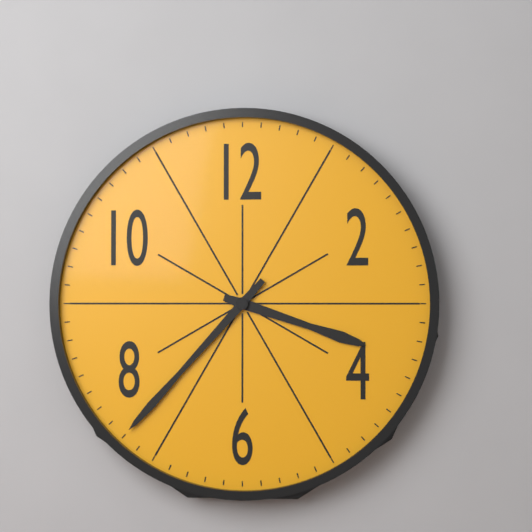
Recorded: 3 h 37 min
